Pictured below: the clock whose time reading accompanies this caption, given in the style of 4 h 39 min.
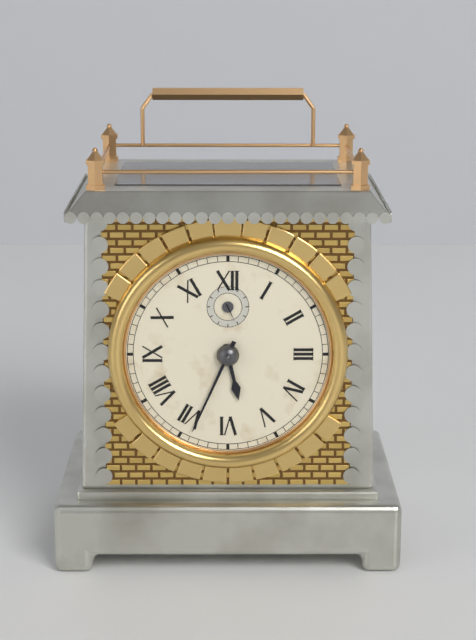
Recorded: 5 h 34 min
